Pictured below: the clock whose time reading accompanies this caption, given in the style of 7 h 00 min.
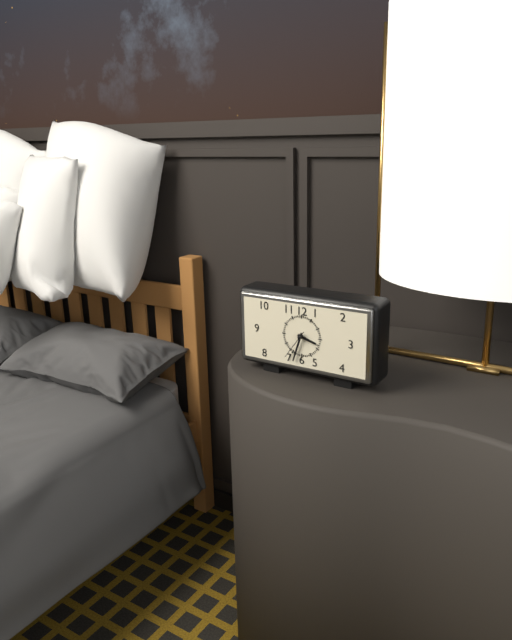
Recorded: 3 h 33 min
